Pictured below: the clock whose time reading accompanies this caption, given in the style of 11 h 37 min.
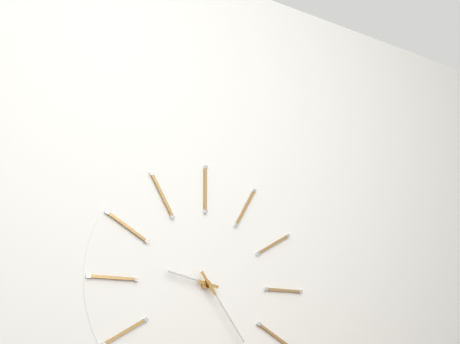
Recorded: 9 h 24 min
